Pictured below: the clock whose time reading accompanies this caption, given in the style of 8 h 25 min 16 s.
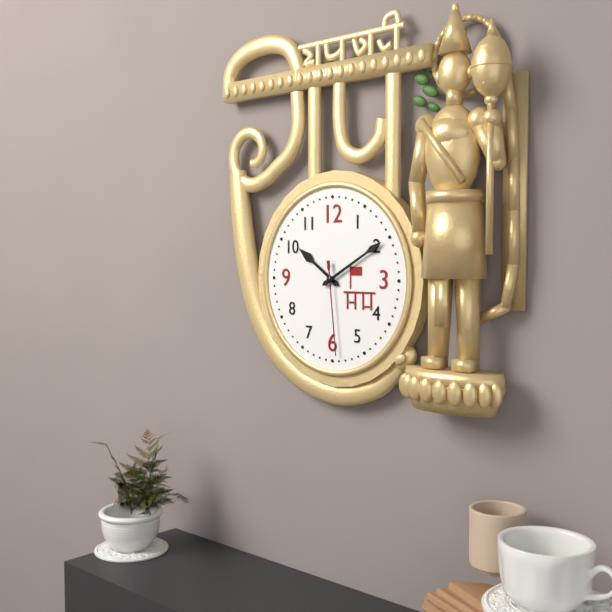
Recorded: 10 h 10 min 29 s
